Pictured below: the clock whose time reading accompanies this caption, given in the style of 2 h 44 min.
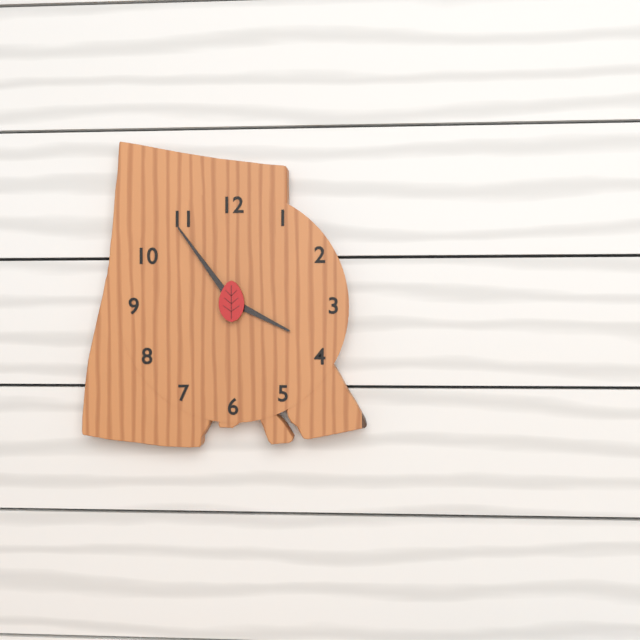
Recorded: 3 h 54 min
